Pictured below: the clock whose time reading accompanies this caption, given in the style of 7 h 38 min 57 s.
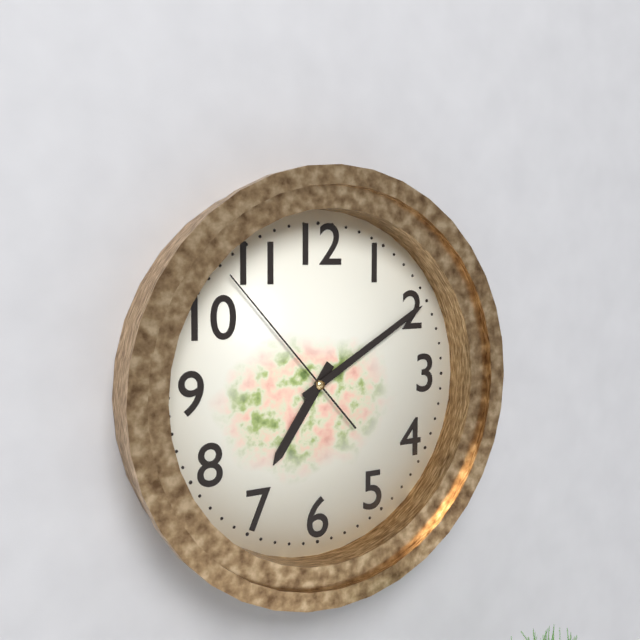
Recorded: 7 h 10 min 53 s
